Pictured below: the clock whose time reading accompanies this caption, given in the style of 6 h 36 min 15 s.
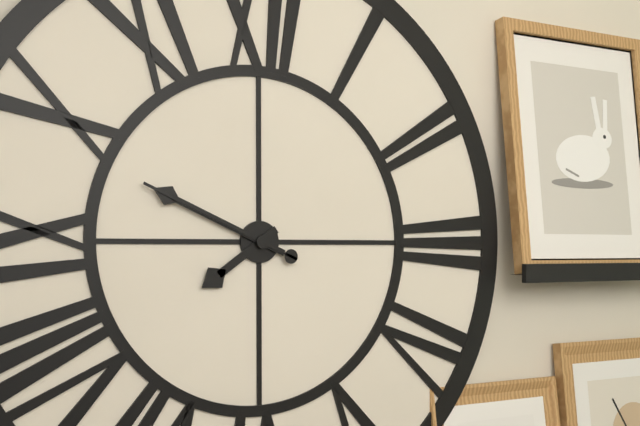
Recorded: 7 h 49 min 49 s
